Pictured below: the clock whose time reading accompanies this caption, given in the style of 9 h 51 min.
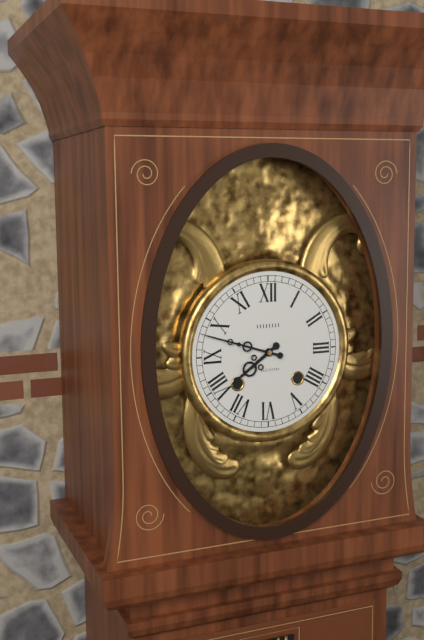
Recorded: 7 h 48 min
